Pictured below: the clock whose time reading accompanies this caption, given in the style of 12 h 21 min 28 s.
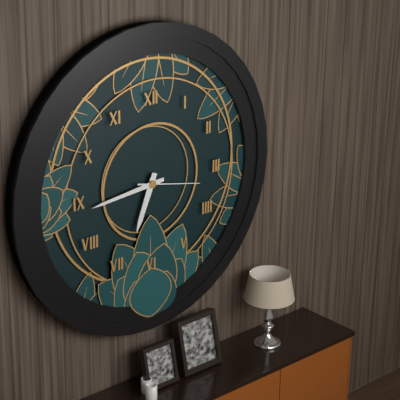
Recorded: 6 h 44 min 17 s
